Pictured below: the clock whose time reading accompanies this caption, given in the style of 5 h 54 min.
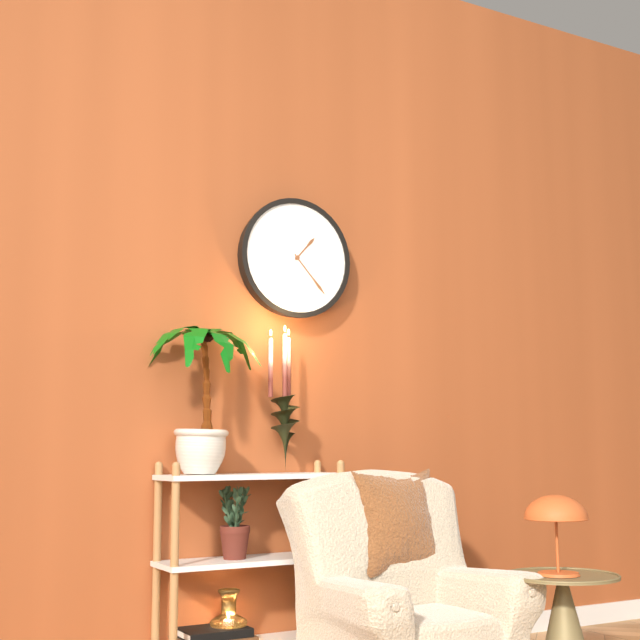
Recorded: 1 h 23 min
